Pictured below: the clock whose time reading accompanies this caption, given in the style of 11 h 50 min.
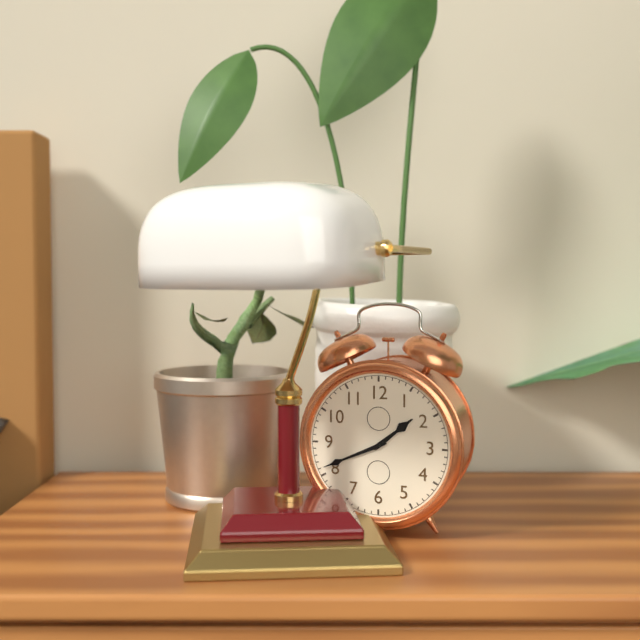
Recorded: 1 h 41 min
